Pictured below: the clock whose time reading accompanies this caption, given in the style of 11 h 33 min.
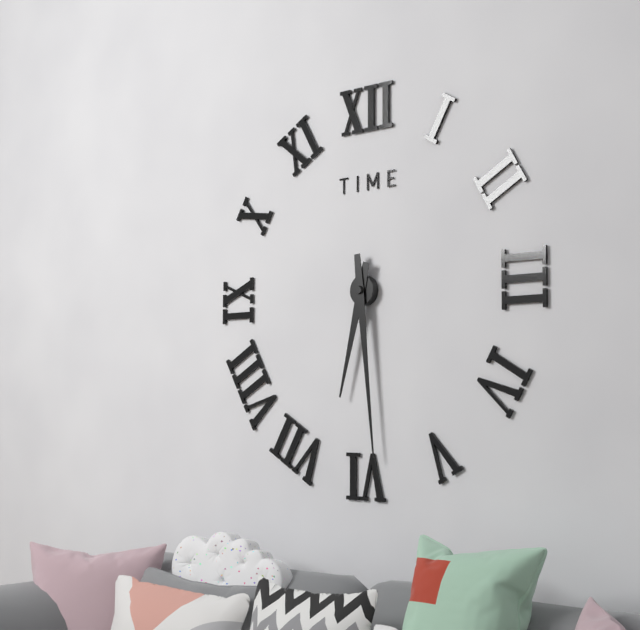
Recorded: 6 h 29 min
